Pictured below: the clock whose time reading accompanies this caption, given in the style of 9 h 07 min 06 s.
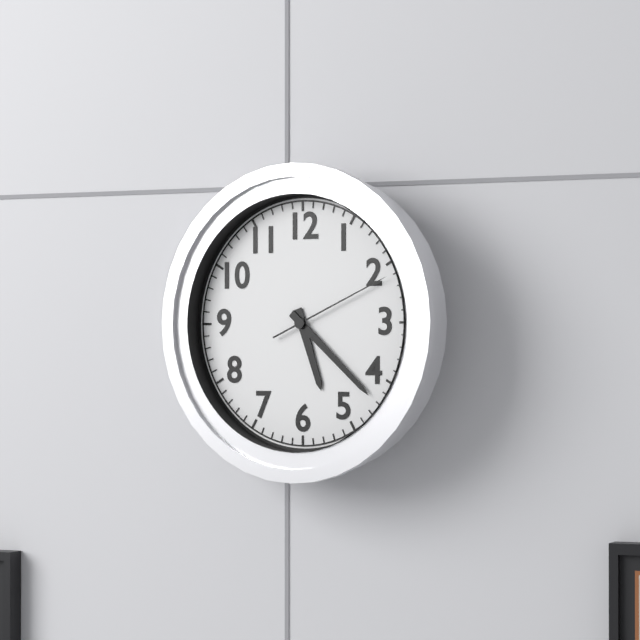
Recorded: 5 h 22 min 11 s
